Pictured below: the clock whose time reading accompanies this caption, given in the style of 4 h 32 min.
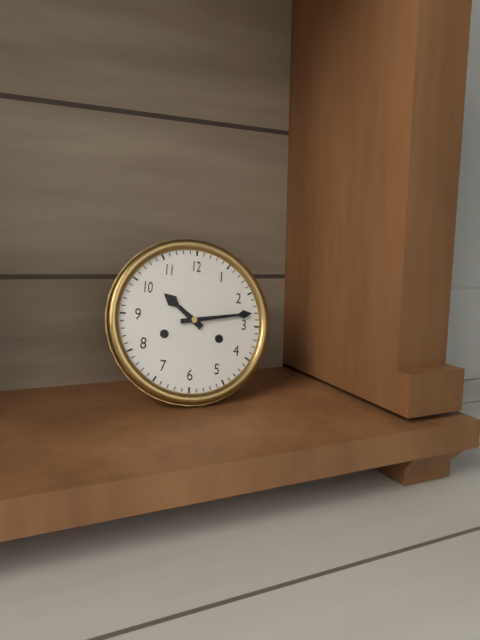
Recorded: 10 h 13 min
